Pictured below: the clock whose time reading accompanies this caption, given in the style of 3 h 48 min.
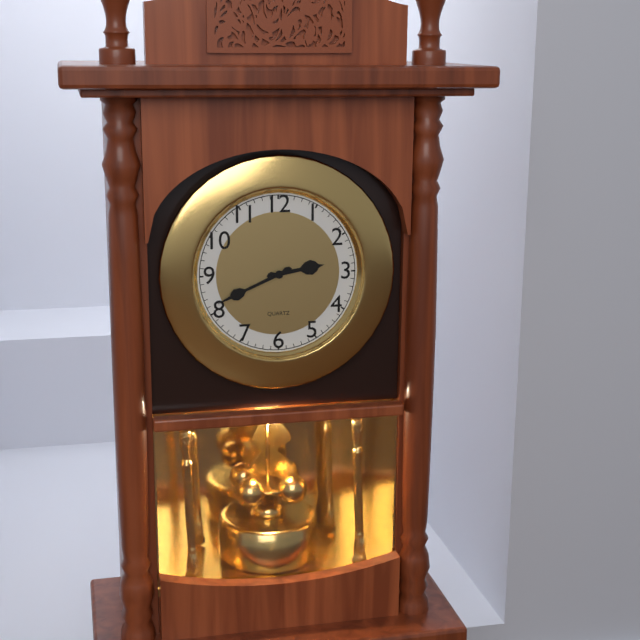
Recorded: 2 h 41 min
